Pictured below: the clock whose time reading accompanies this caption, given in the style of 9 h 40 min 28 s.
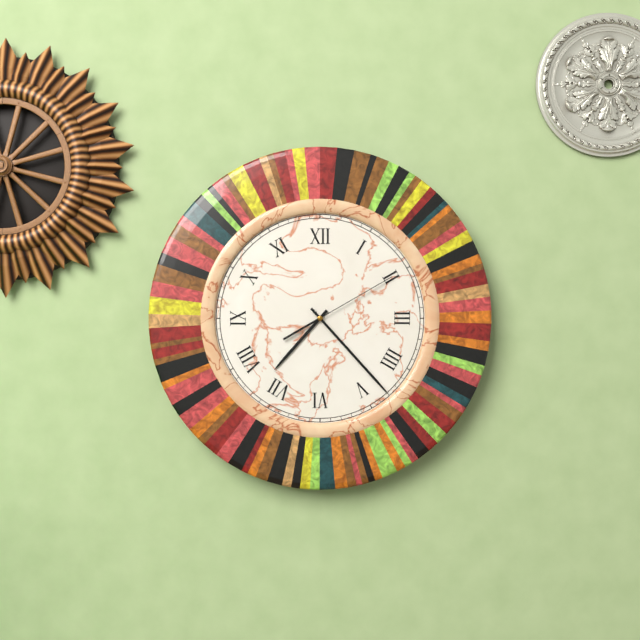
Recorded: 7 h 23 min 10 s
